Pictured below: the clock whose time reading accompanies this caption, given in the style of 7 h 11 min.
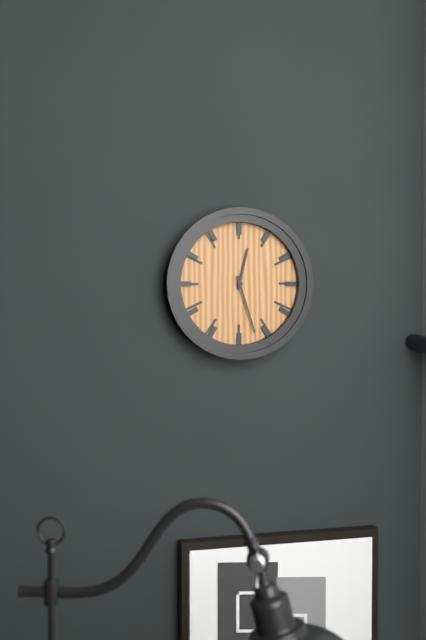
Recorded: 12 h 27 min
